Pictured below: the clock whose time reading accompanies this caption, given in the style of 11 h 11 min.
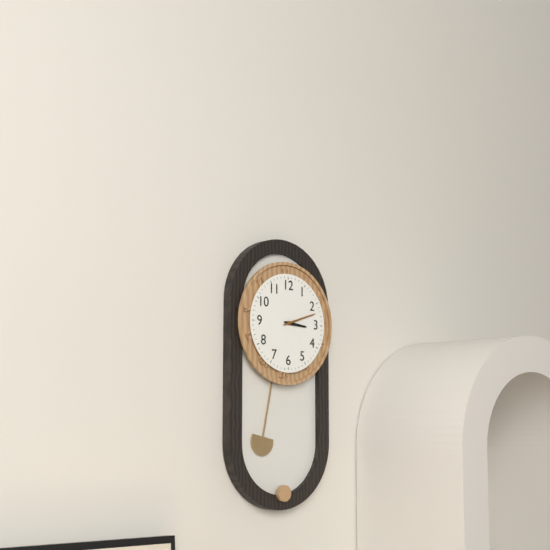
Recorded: 3 h 12 min
